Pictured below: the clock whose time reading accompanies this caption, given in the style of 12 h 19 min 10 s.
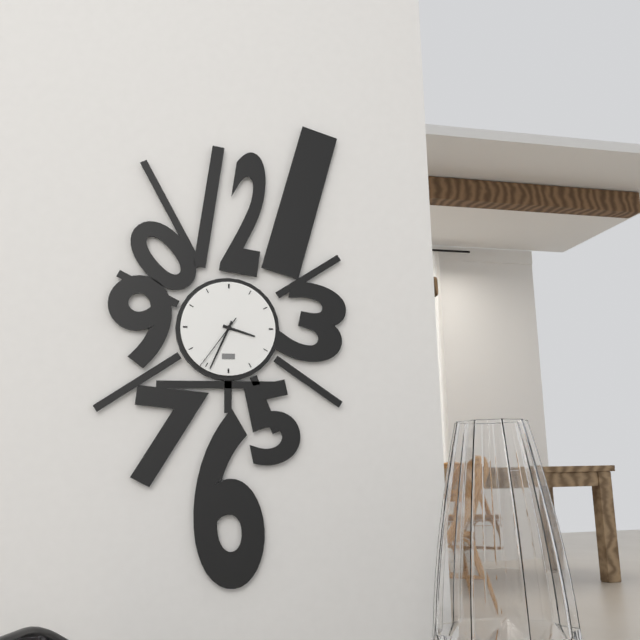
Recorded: 3 h 34 min 36 s
